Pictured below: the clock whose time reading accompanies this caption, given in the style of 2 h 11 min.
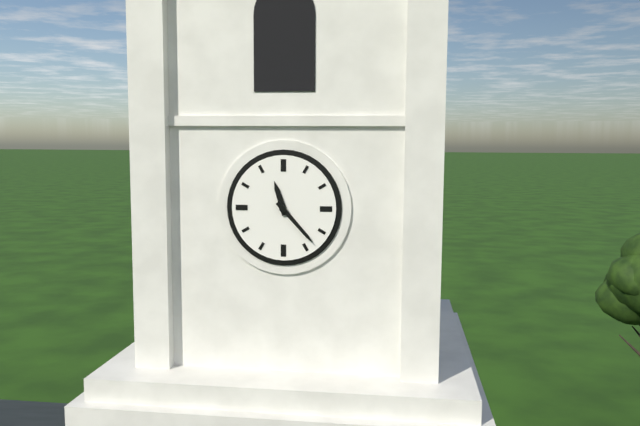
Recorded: 11 h 23 min
